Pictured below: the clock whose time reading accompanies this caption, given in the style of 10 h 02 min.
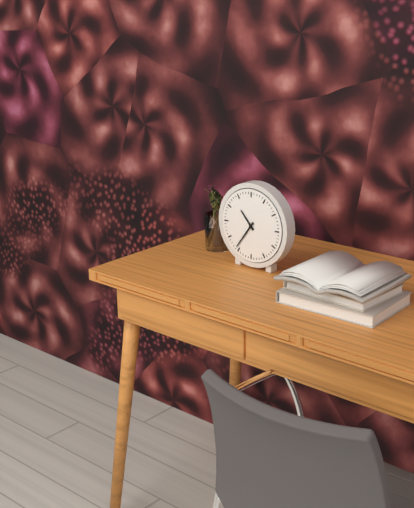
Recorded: 10 h 36 min
